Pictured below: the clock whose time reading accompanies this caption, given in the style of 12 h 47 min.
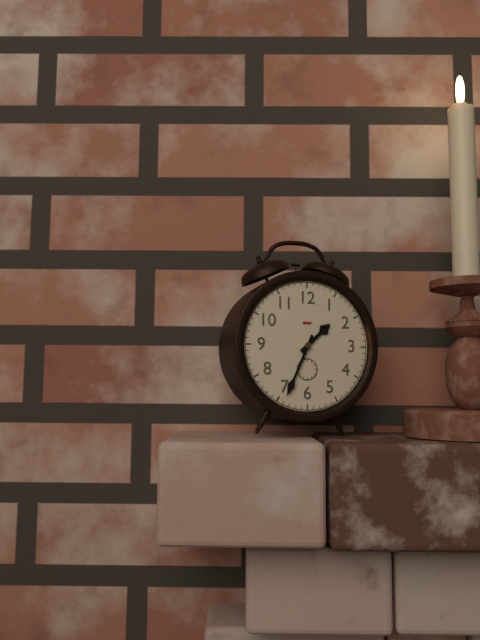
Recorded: 1 h 34 min
